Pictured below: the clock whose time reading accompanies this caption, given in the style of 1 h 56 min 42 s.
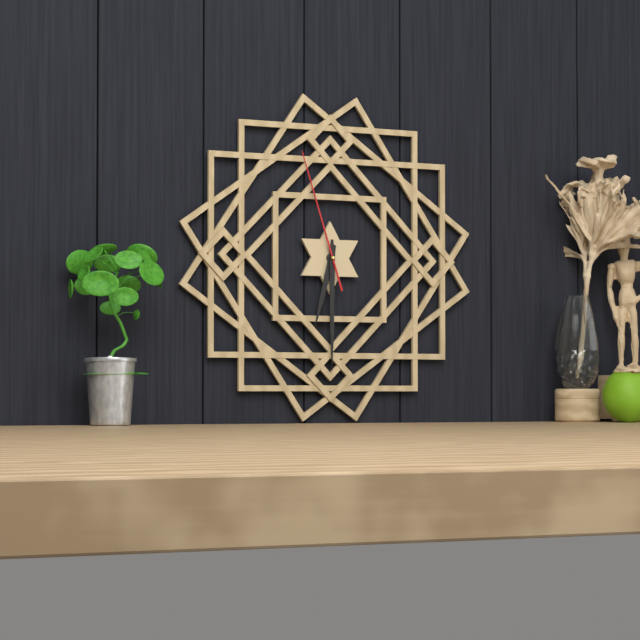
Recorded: 6 h 30 min 57 s
